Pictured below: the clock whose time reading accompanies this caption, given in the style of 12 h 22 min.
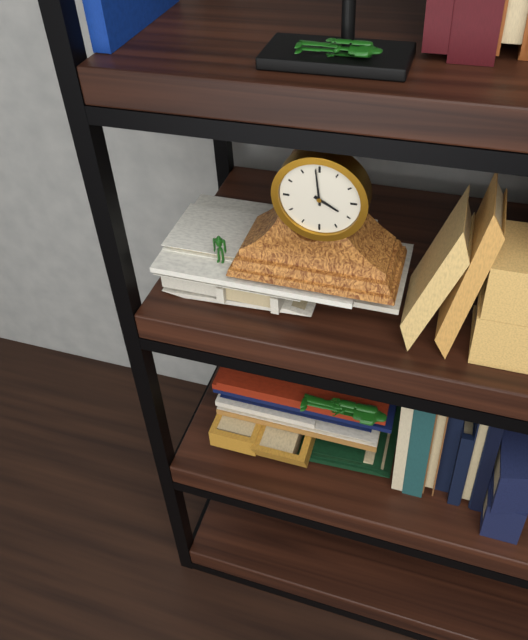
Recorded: 3 h 59 min
